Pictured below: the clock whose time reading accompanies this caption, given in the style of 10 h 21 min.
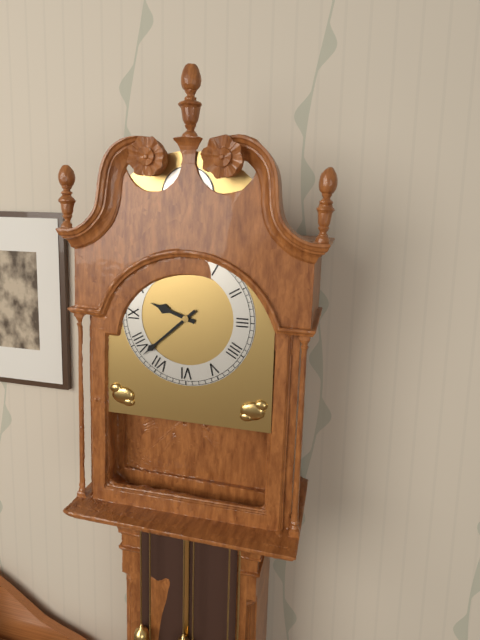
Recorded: 9 h 38 min
